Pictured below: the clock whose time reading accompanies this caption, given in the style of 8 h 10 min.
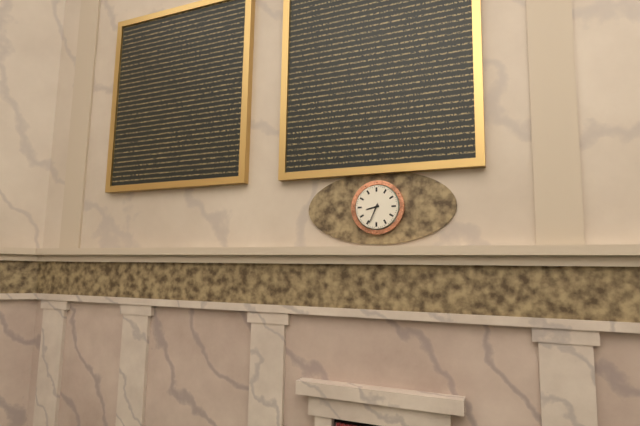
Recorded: 8 h 34 min
